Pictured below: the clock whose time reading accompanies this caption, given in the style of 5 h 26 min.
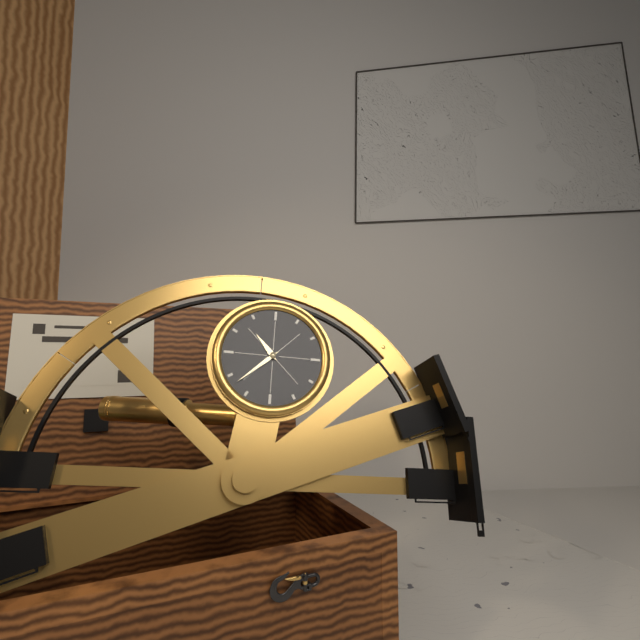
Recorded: 10 h 38 min
